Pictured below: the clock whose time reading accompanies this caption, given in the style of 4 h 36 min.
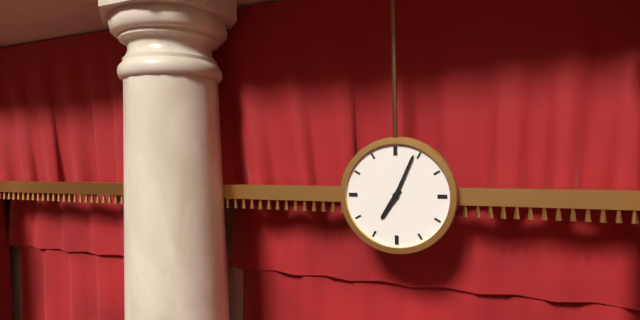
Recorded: 7 h 04 min
